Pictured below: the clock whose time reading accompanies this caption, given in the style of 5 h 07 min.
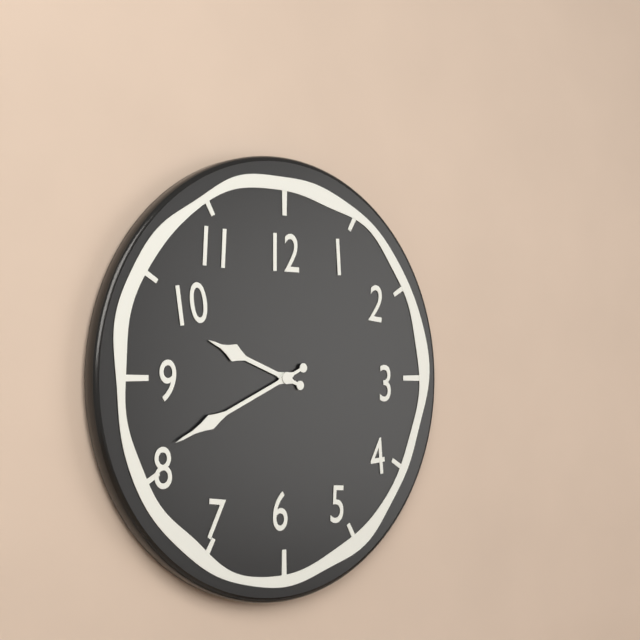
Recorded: 9 h 41 min
